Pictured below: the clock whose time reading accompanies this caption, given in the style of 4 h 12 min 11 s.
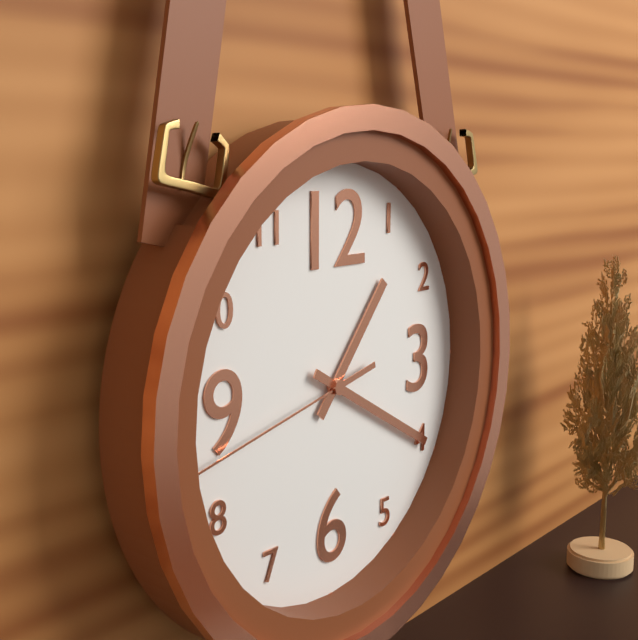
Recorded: 1 h 20 min 43 s
